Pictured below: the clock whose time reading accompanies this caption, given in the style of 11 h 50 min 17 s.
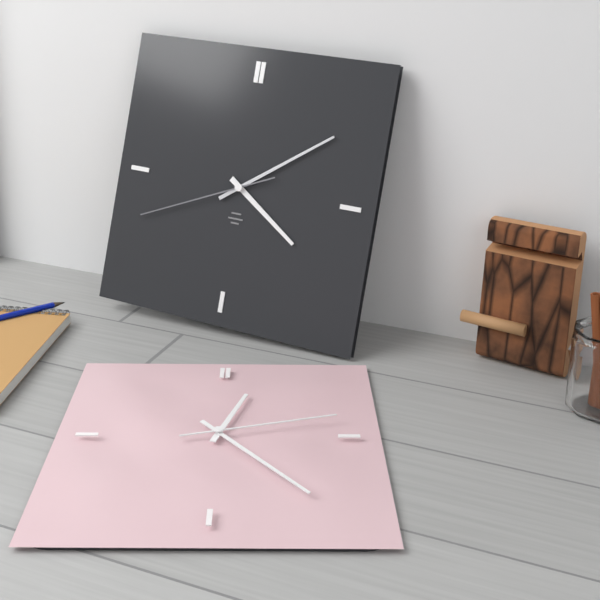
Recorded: 4 h 09 min 41 s
